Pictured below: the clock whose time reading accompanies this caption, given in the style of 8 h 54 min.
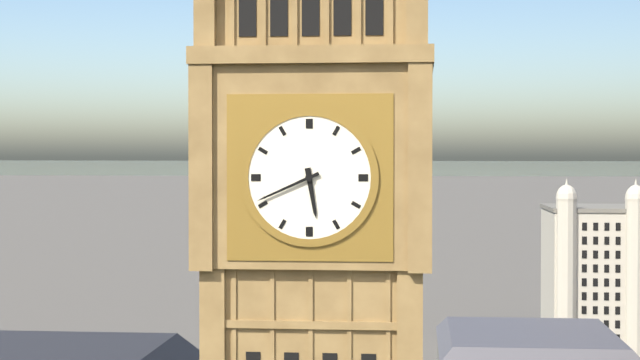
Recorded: 5 h 41 min
